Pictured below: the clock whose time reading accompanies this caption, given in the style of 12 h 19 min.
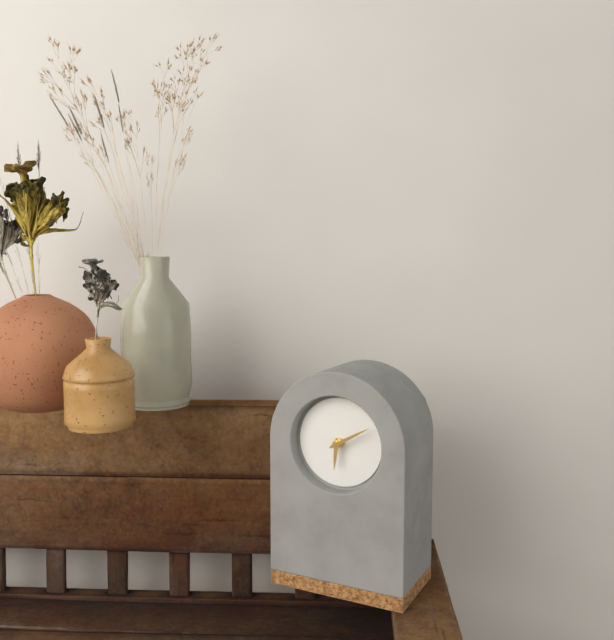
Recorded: 6 h 10 min
